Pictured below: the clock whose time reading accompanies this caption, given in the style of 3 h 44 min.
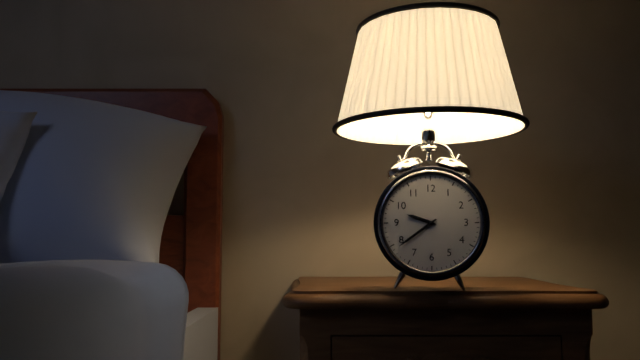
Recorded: 9 h 39 min
